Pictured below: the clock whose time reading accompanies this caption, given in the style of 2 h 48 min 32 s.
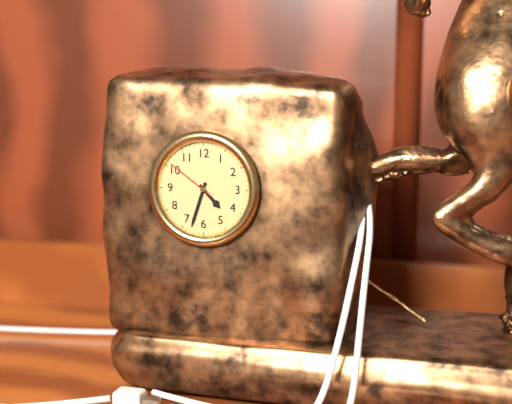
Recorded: 4 h 33 min 51 s
